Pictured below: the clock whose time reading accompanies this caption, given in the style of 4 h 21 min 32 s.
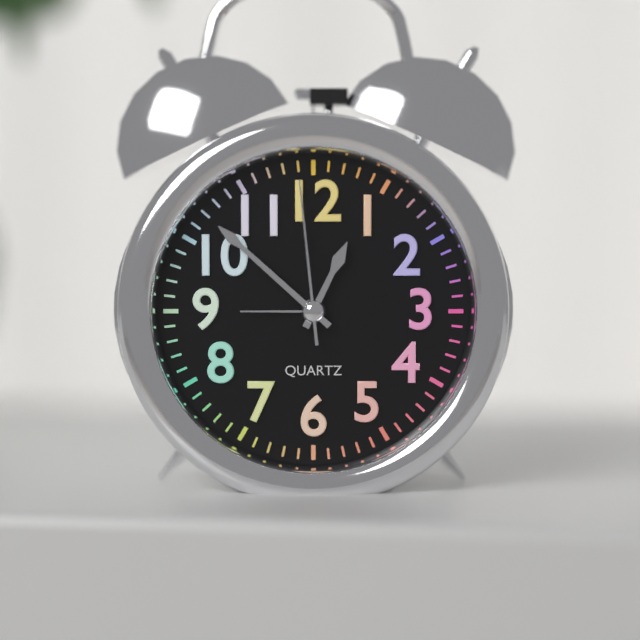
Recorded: 12 h 52 min 59 s
